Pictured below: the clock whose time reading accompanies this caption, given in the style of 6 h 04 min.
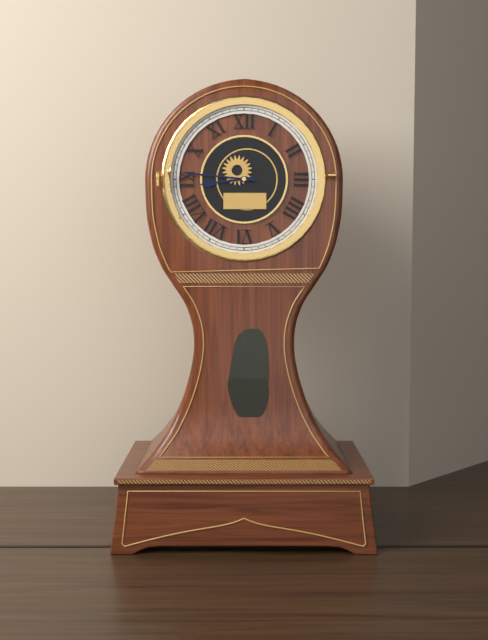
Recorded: 8 h 46 min
